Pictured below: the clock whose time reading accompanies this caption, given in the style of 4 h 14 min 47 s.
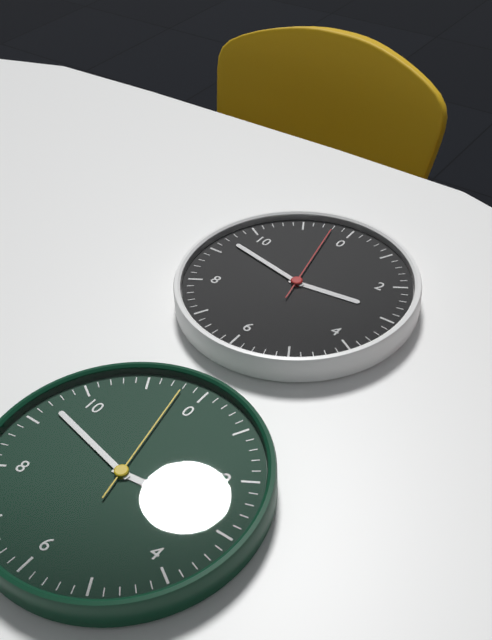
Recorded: 2 h 47 min 58 s
